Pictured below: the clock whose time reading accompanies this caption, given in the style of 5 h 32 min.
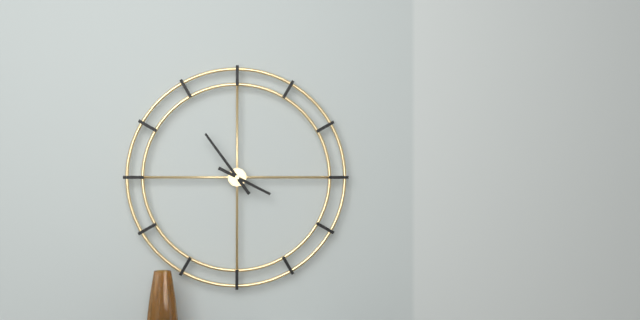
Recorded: 3 h 54 min
